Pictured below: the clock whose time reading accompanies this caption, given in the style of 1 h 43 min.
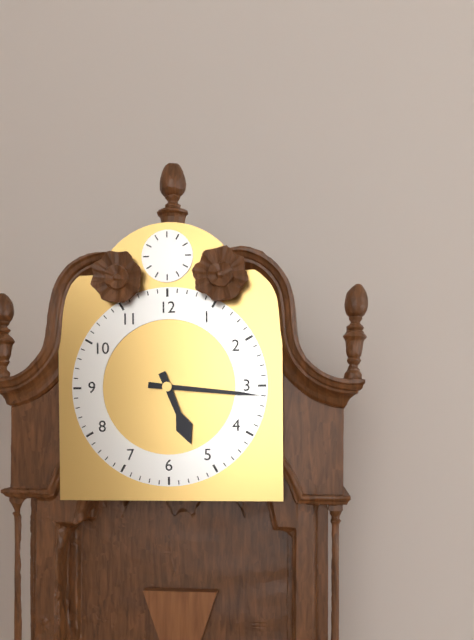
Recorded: 5 h 16 min
